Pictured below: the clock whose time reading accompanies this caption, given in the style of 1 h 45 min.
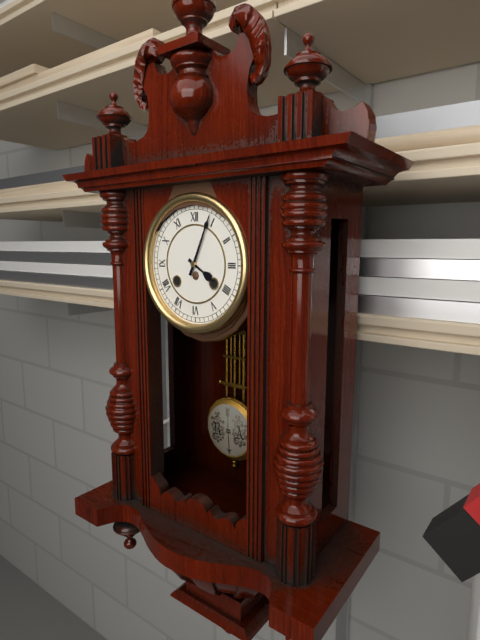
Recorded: 4 h 04 min
